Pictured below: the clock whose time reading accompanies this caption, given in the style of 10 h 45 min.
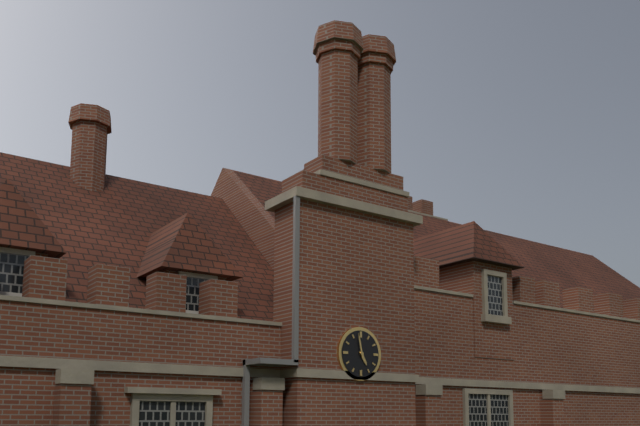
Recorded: 4 h 58 min
